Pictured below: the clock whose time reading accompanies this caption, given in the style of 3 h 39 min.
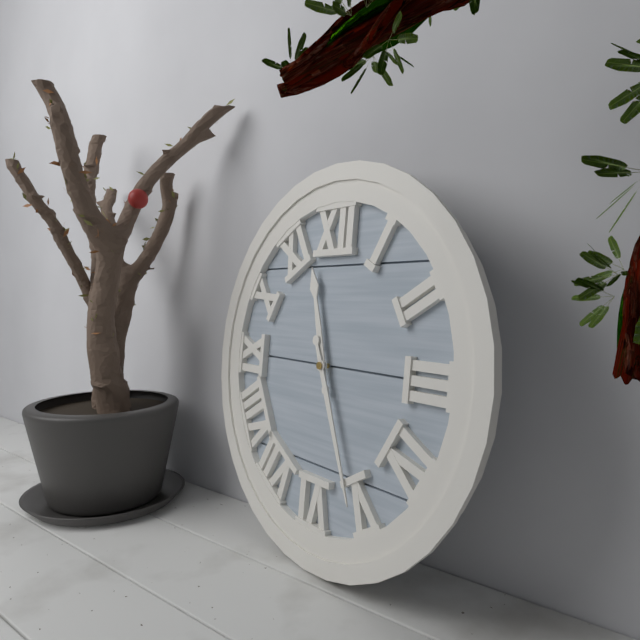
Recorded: 11 h 26 min
